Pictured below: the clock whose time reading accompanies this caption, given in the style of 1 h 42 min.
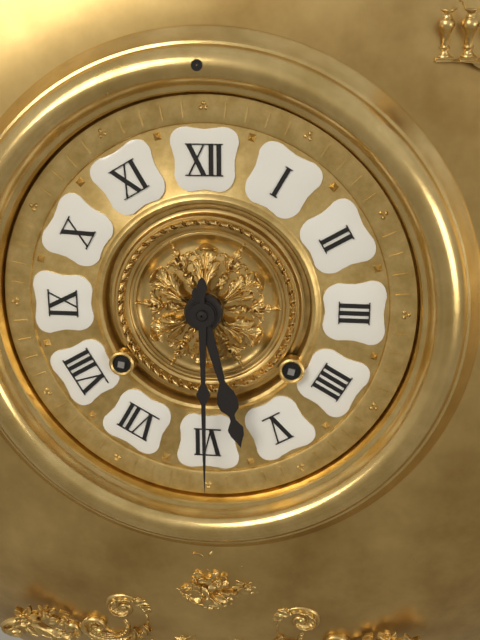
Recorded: 5 h 30 min
